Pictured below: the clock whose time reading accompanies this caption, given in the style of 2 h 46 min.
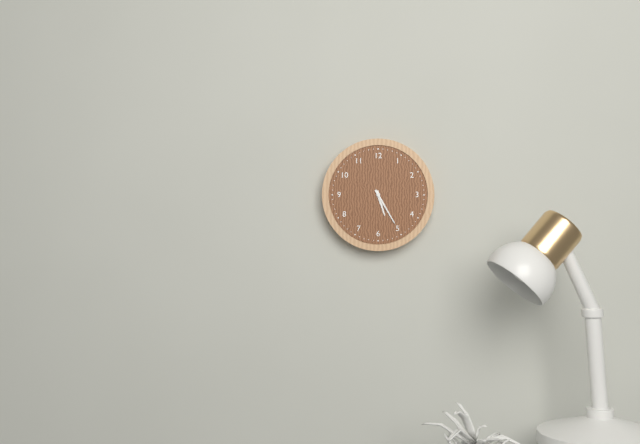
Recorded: 5 h 25 min
